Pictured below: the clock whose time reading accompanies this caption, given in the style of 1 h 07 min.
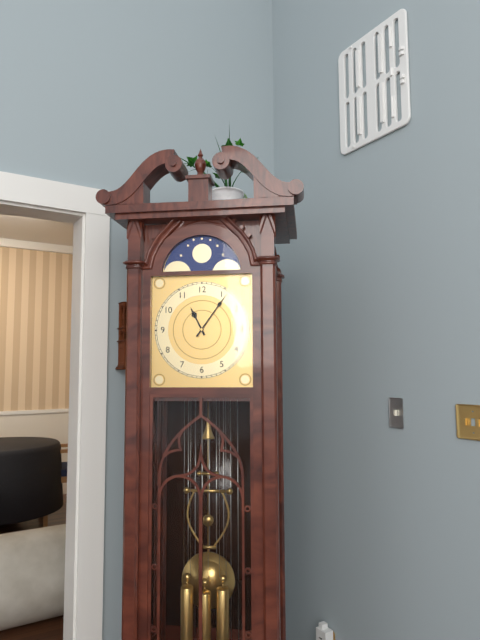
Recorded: 11 h 06 min
